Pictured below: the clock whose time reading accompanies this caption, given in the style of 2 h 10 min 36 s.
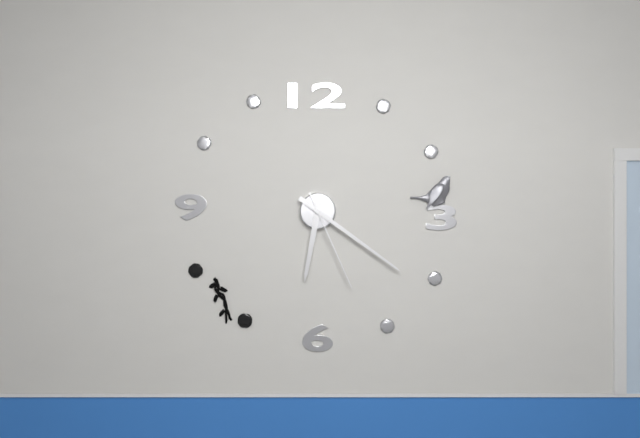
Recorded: 6 h 21 min 26 s
